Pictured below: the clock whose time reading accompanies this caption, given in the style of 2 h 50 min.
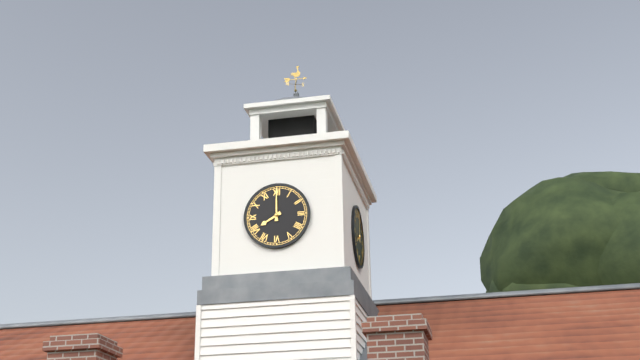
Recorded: 8 h 00 min
